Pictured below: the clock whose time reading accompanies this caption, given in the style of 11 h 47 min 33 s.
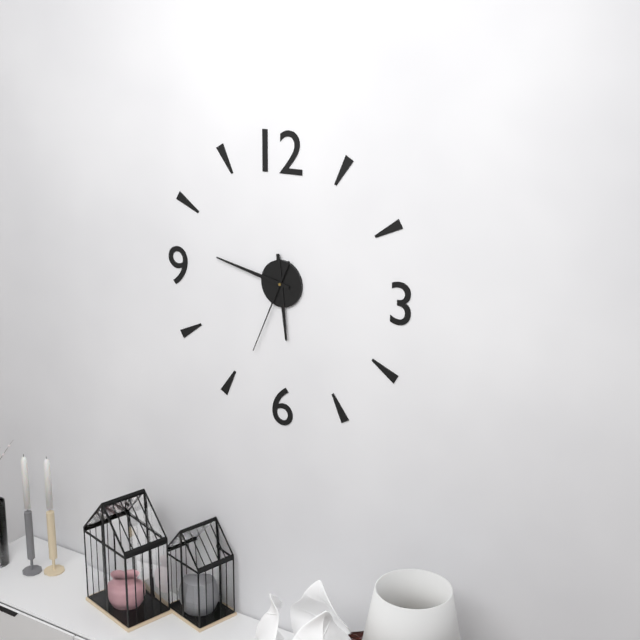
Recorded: 5 h 47 min 34 s
